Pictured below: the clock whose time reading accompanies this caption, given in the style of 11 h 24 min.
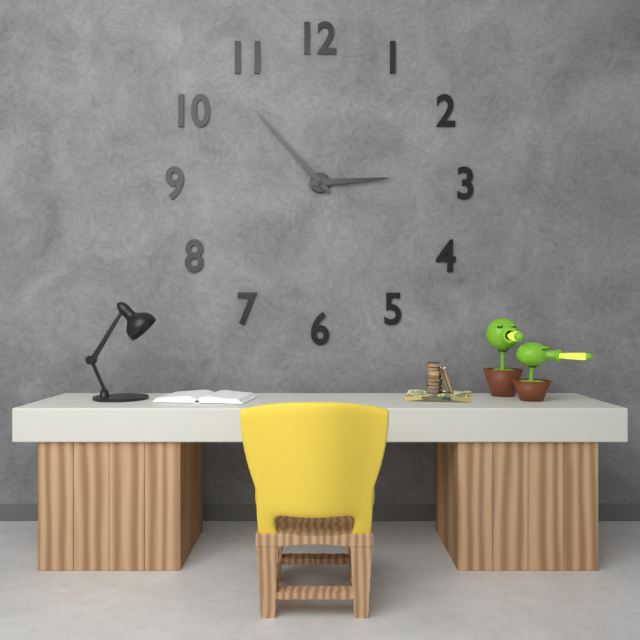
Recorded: 2 h 53 min
